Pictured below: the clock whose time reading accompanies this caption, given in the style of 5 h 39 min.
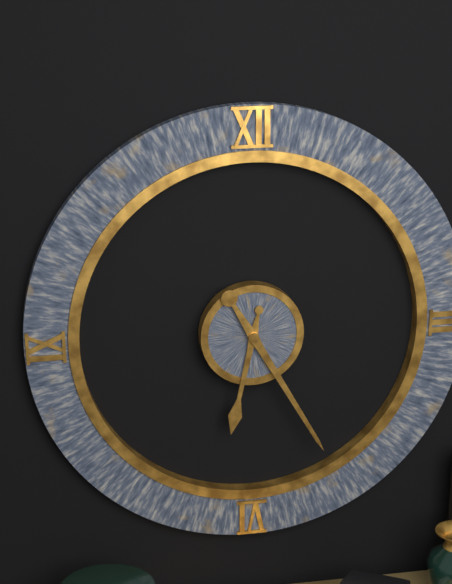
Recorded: 6 h 25 min
